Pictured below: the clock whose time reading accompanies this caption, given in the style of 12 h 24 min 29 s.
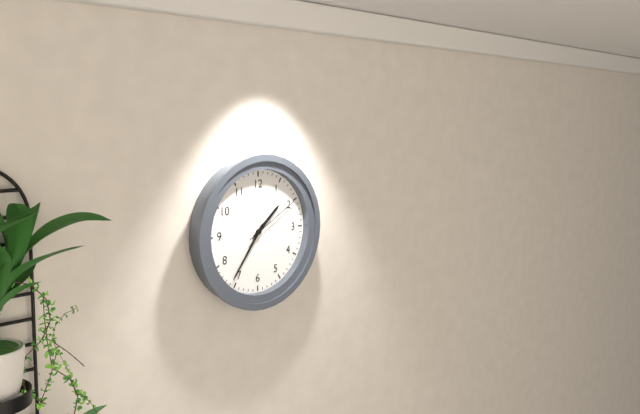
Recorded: 1 h 36 min 10 s
